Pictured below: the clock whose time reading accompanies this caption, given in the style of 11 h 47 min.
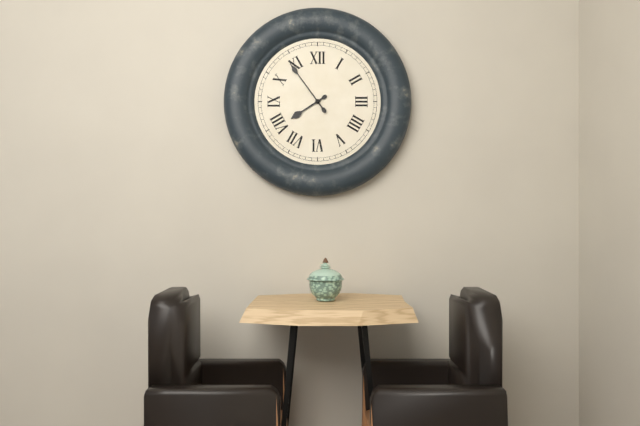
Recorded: 7 h 54 min
